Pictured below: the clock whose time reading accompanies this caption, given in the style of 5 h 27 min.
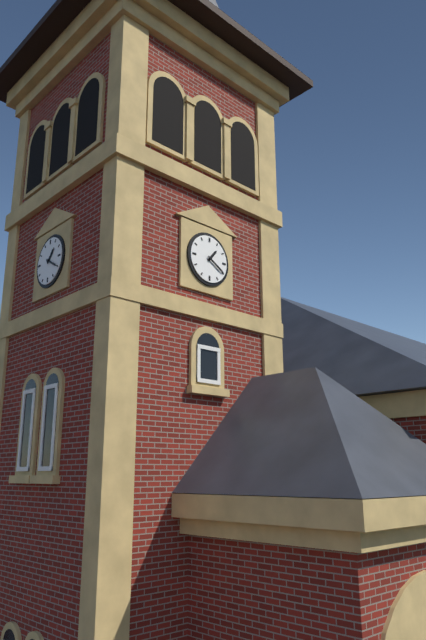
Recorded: 1 h 20 min
